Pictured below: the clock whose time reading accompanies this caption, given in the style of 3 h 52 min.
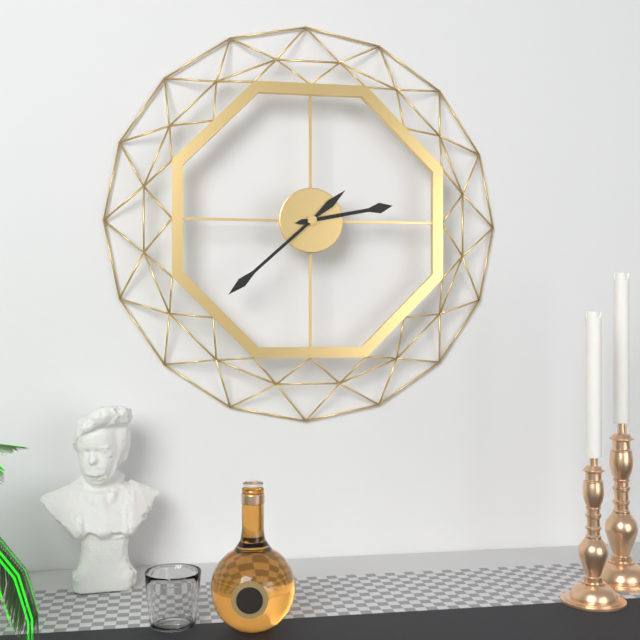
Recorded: 2 h 38 min
